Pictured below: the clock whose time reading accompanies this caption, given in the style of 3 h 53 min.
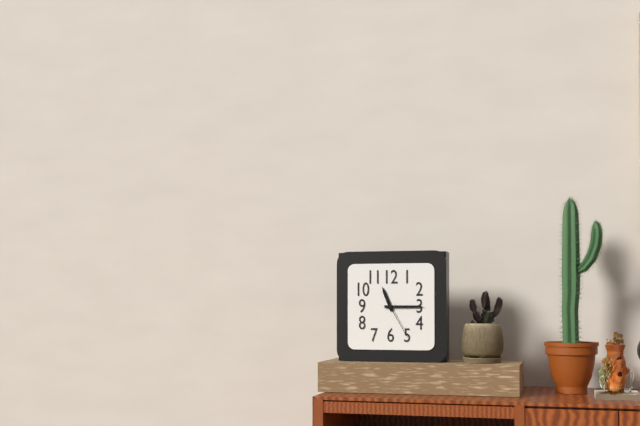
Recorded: 11 h 15 min
